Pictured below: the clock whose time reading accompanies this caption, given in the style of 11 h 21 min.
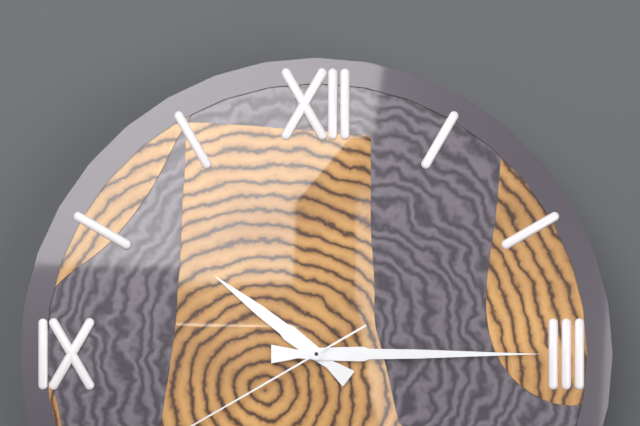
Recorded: 10 h 15 min
